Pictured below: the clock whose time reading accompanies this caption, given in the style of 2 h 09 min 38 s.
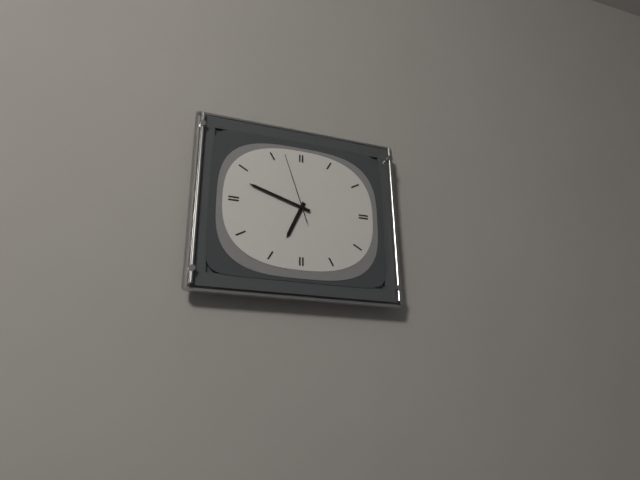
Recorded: 6 h 48 min 57 s
